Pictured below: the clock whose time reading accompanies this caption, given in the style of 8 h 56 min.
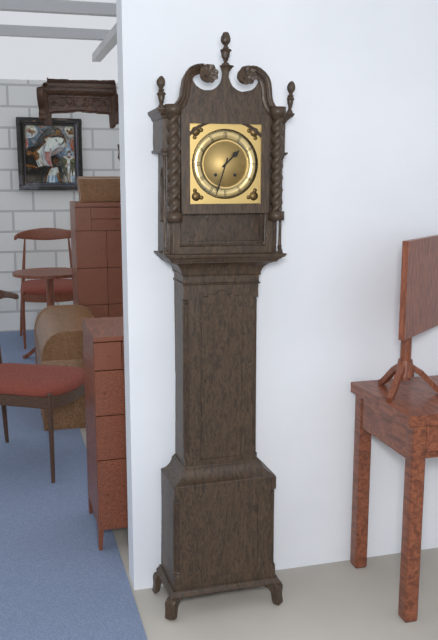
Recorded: 1 h 33 min
